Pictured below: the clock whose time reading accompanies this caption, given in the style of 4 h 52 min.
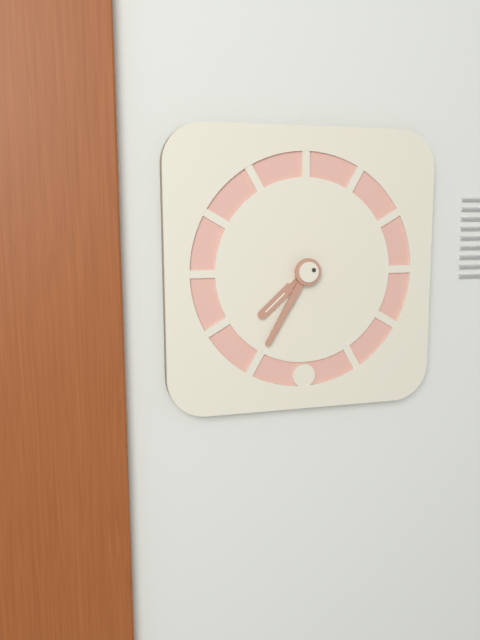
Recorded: 7 h 35 min
